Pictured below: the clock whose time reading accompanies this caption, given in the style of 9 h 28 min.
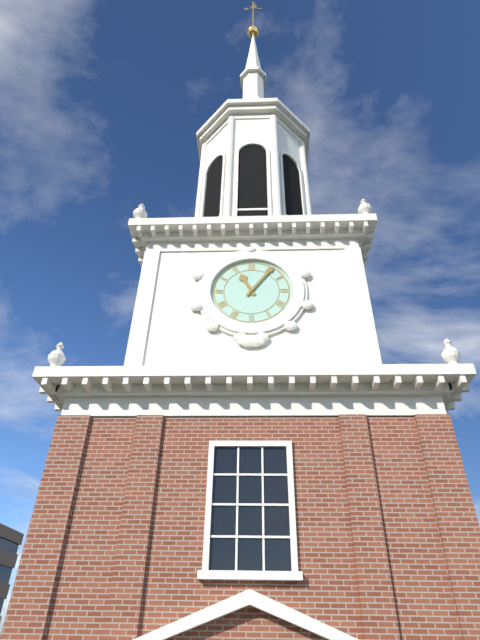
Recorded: 11 h 06 min
